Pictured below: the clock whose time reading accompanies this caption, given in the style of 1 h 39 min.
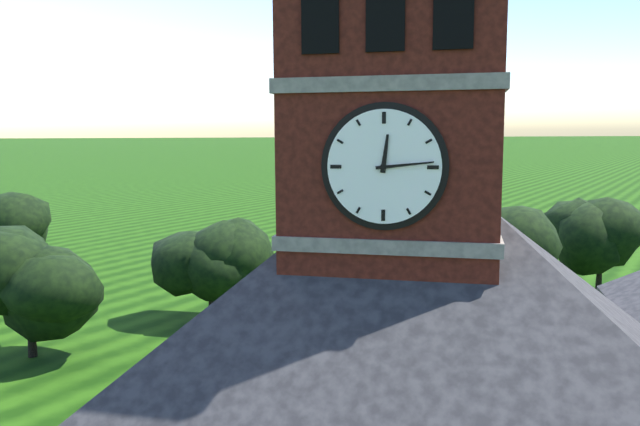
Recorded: 12 h 14 min
